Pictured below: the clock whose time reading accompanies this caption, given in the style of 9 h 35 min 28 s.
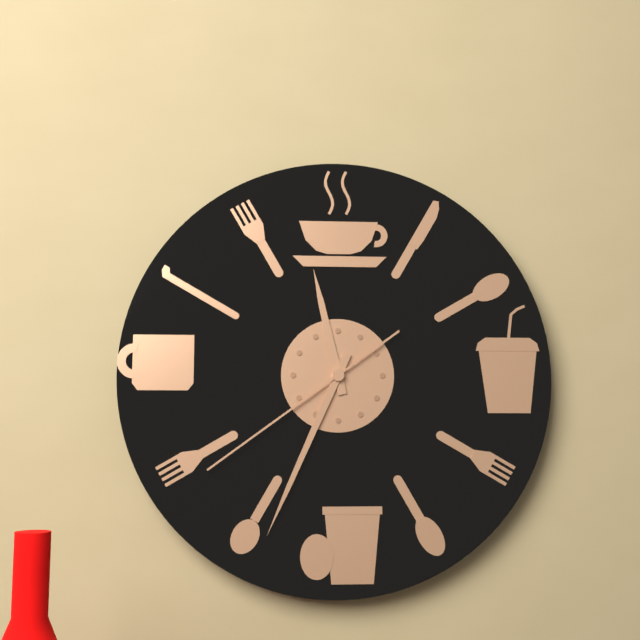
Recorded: 11 h 34 min 39 s
